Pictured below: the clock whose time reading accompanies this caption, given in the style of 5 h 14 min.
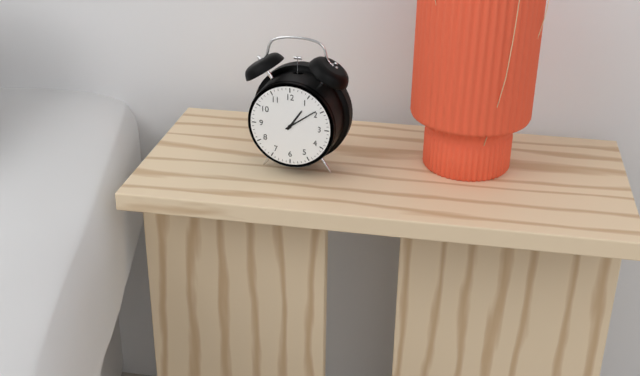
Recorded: 1 h 09 min
